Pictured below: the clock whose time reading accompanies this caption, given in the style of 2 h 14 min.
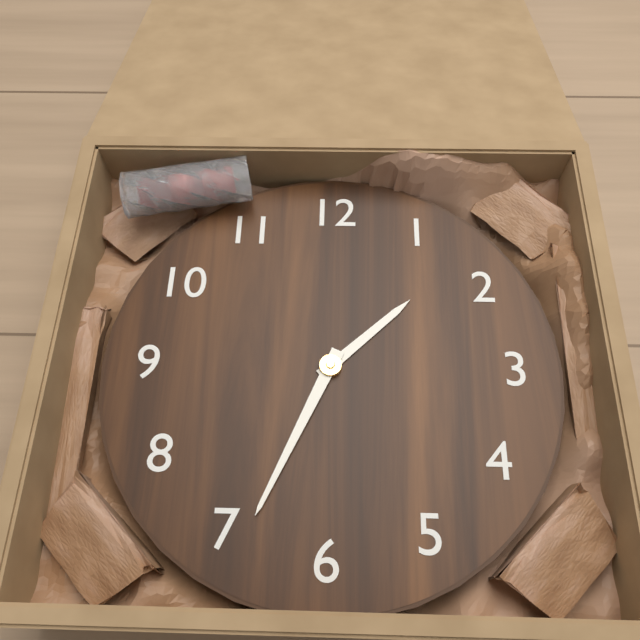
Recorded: 1 h 34 min
